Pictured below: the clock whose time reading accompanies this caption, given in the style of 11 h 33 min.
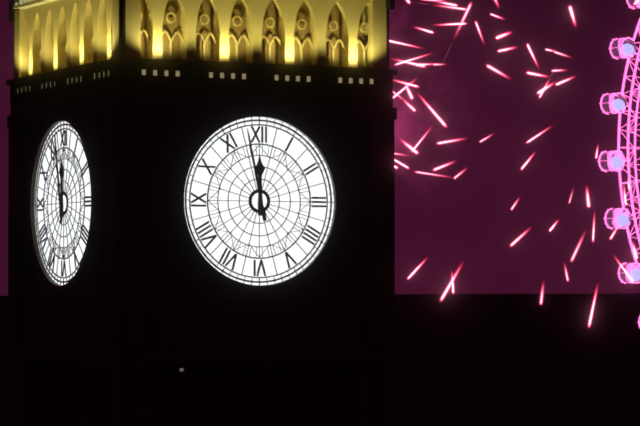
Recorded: 11 h 58 min
